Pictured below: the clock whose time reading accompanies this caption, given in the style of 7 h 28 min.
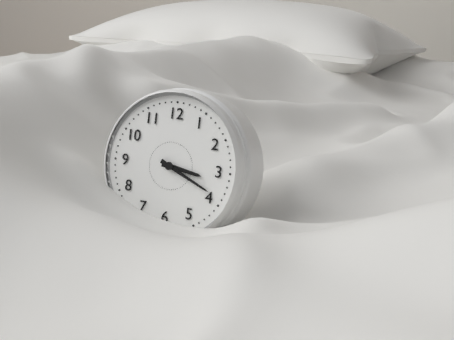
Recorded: 3 h 19 min
